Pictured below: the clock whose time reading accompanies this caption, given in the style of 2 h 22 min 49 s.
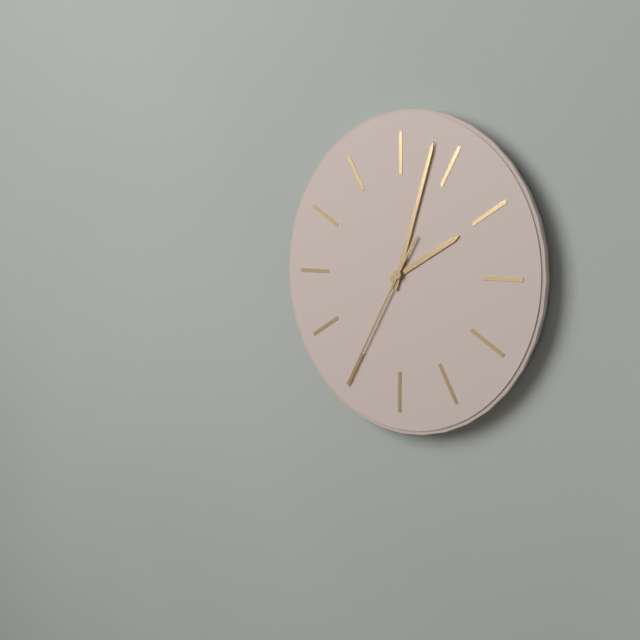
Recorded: 2 h 03 min 35 s
